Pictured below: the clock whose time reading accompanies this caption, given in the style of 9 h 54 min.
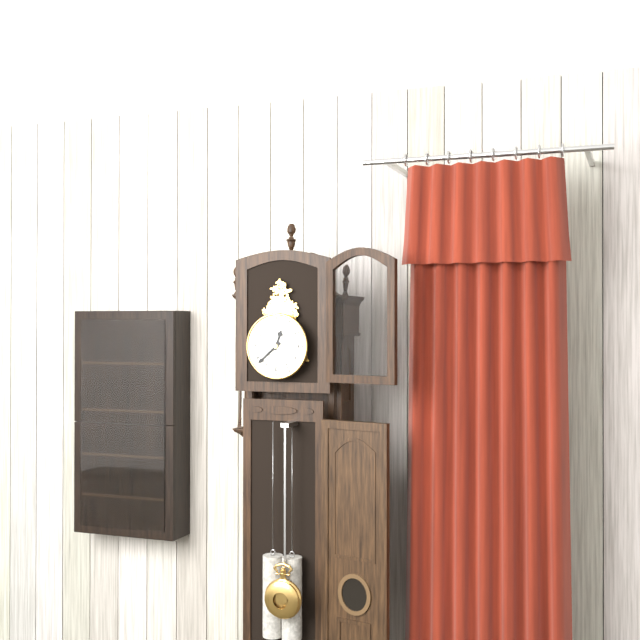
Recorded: 12 h 38 min
